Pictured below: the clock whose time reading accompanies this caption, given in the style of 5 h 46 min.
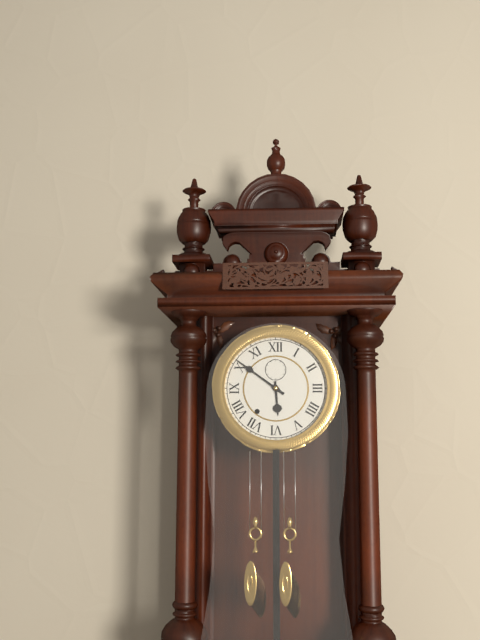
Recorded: 5 h 51 min
